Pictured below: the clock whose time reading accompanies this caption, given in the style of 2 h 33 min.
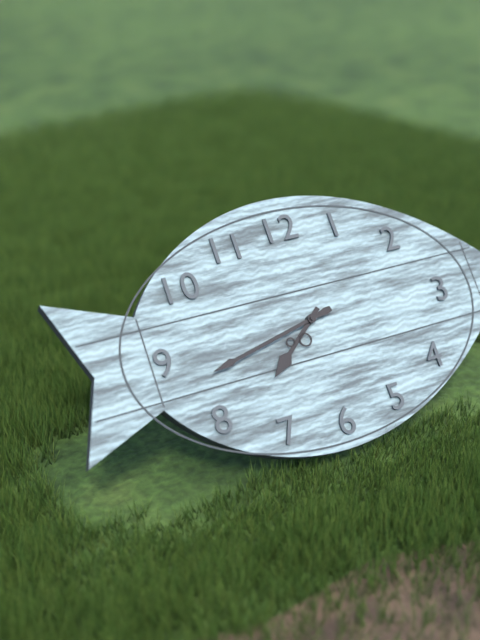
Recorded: 7 h 43 min
